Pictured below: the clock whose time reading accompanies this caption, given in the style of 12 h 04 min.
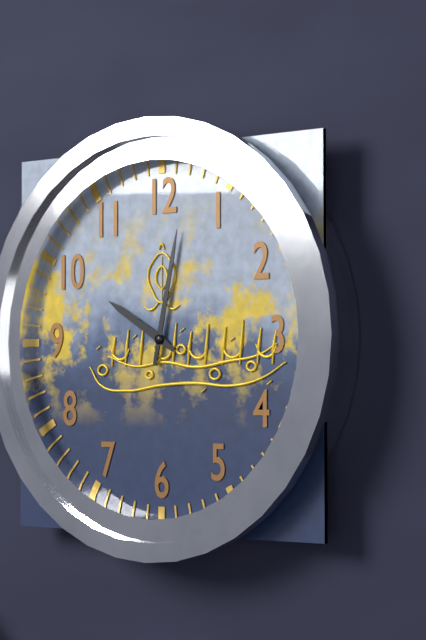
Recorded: 10 h 02 min
